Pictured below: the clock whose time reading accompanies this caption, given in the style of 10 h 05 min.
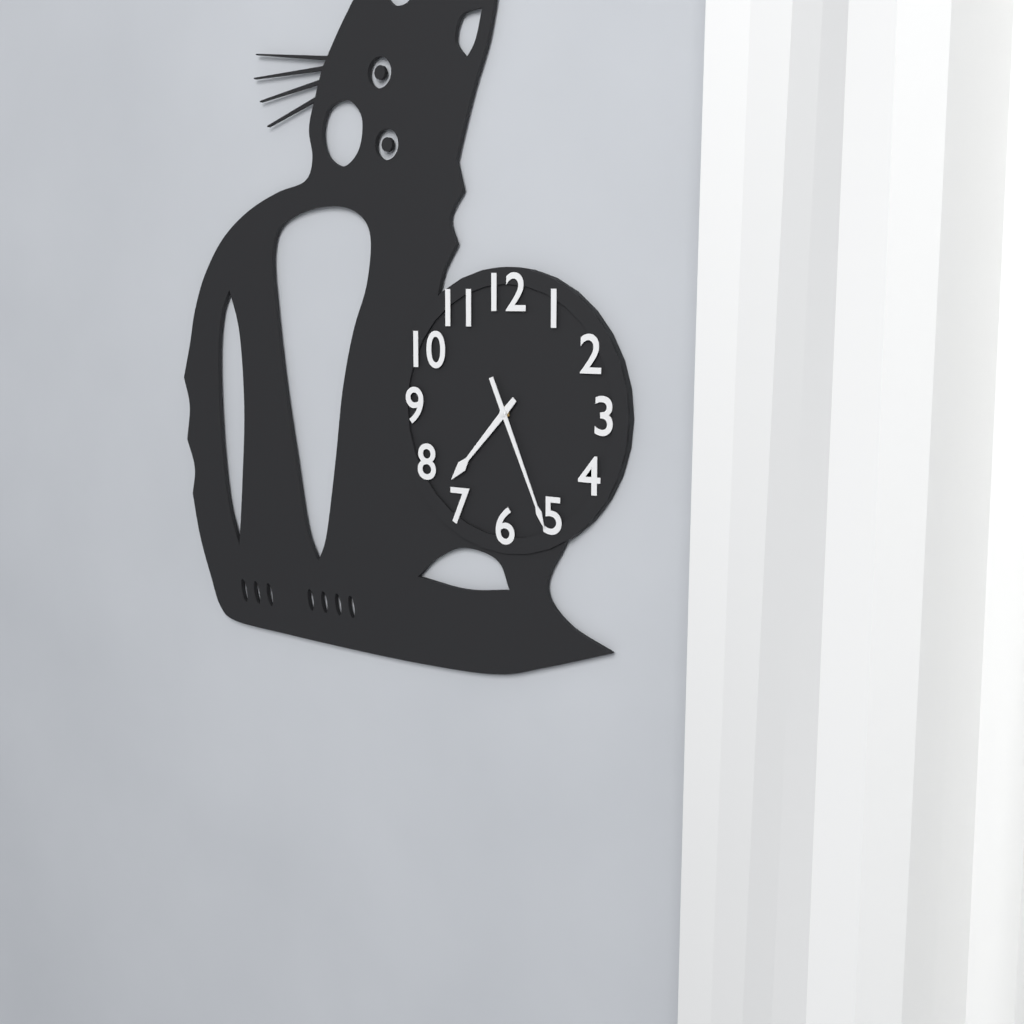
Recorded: 7 h 26 min
